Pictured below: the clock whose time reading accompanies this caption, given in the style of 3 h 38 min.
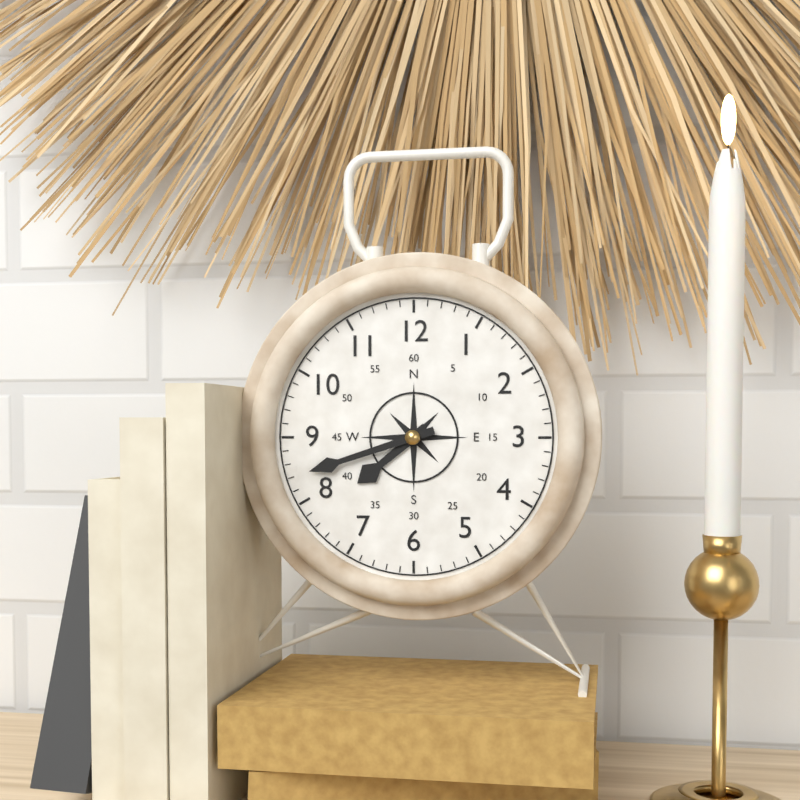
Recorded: 7 h 42 min
